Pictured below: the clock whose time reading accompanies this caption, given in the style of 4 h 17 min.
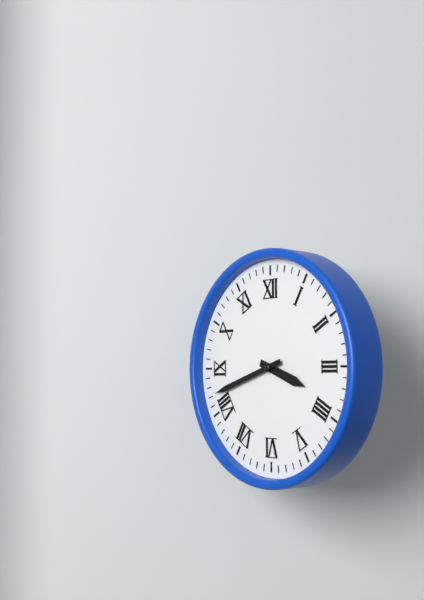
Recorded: 3 h 42 min
